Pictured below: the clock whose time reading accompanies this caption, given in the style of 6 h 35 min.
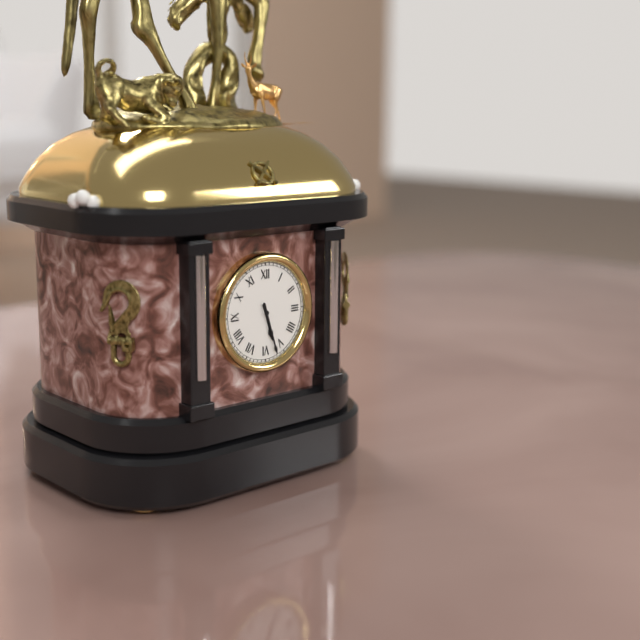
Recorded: 5 h 27 min
